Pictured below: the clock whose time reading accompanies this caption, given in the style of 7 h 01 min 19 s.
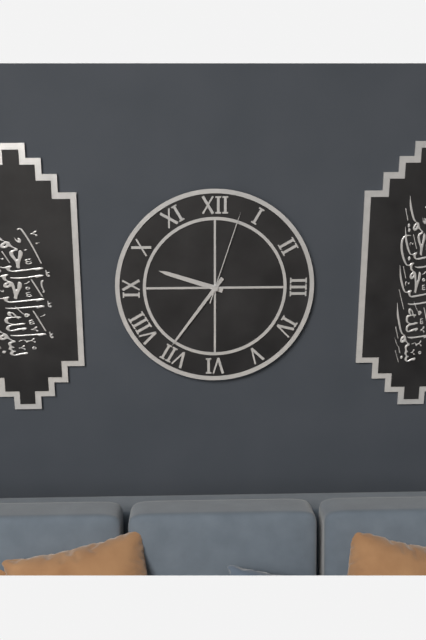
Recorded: 9 h 36 min 03 s
